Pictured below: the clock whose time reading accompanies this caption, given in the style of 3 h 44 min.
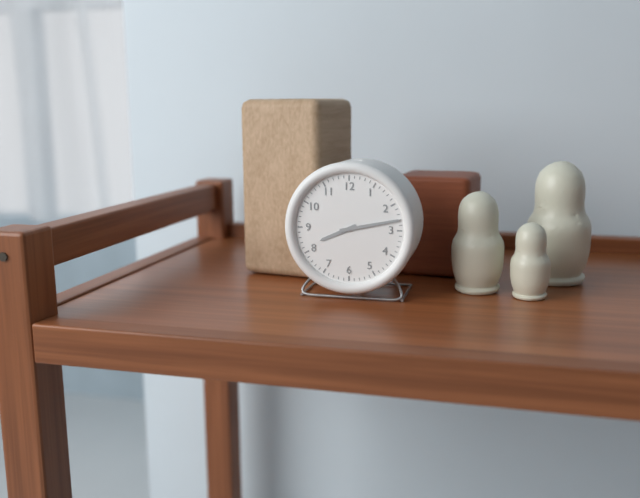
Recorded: 8 h 13 min
